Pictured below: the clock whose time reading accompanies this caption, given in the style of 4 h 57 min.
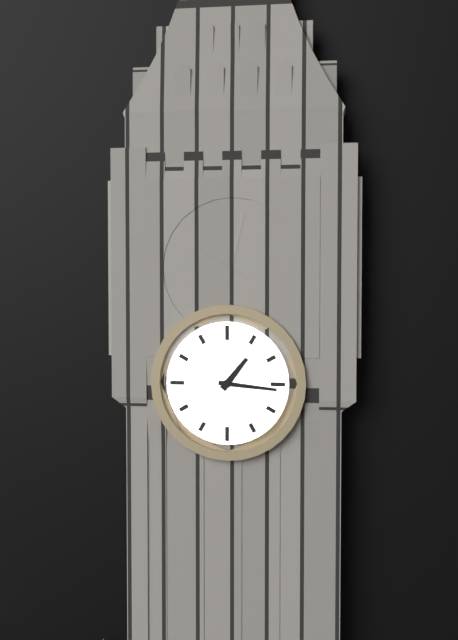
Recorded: 1 h 16 min
